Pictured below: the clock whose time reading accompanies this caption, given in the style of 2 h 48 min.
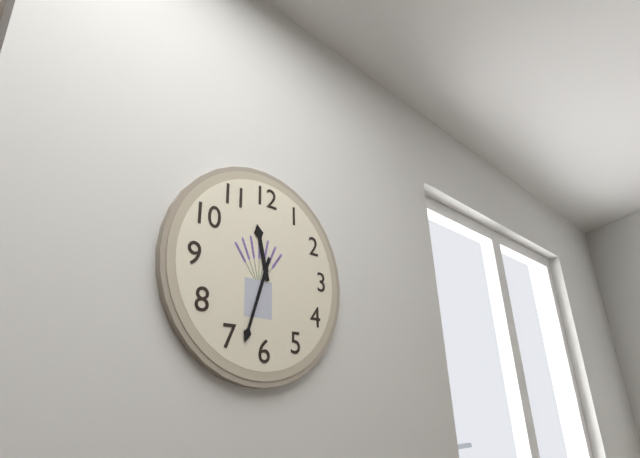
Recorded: 11 h 33 min
